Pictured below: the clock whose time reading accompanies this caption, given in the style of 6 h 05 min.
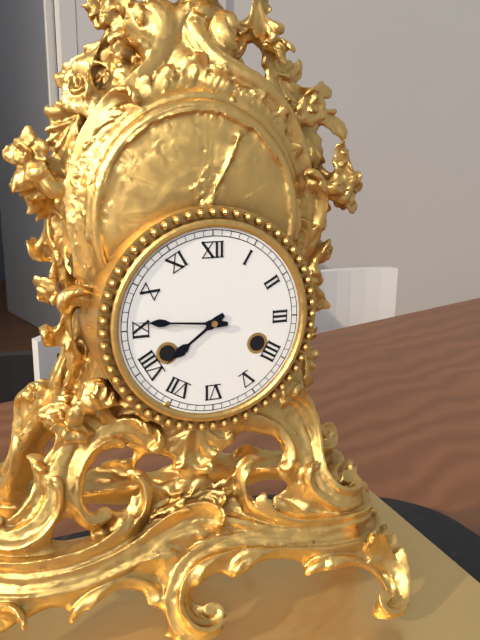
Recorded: 7 h 46 min
